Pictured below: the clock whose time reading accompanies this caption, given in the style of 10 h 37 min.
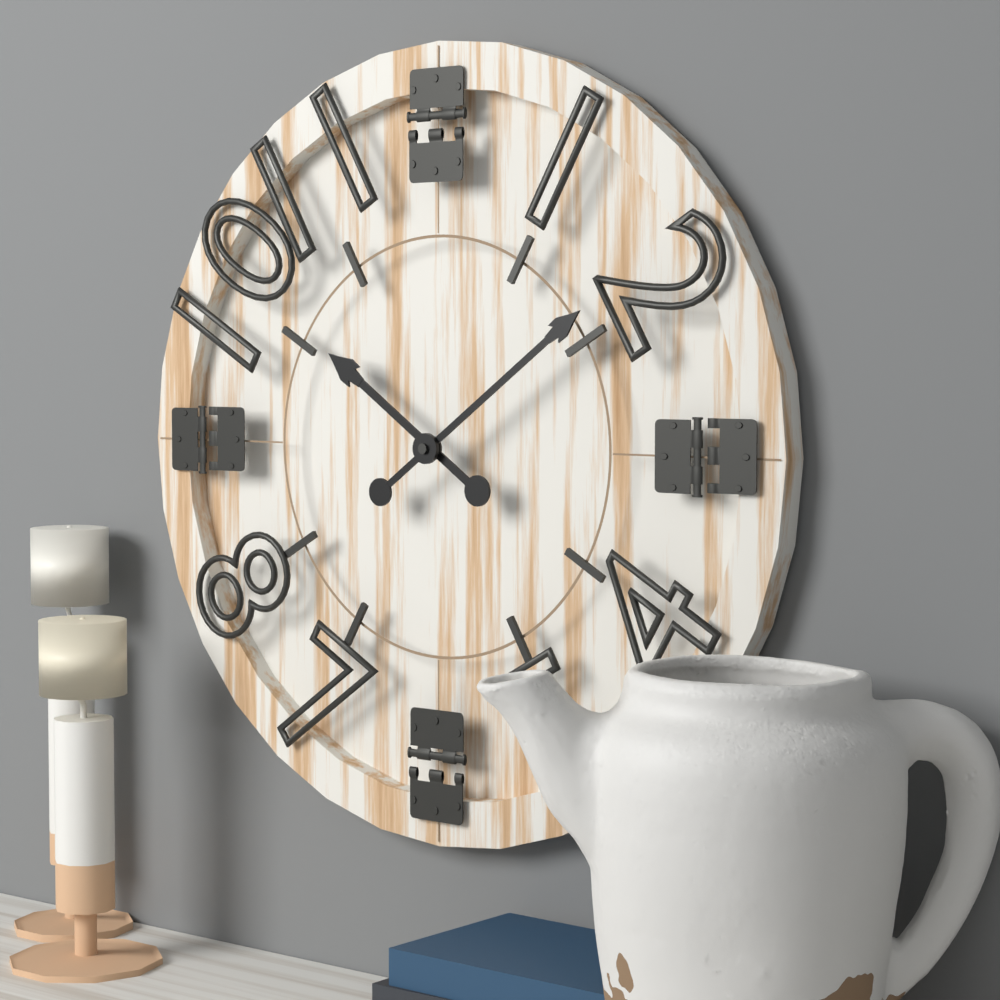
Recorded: 10 h 09 min
